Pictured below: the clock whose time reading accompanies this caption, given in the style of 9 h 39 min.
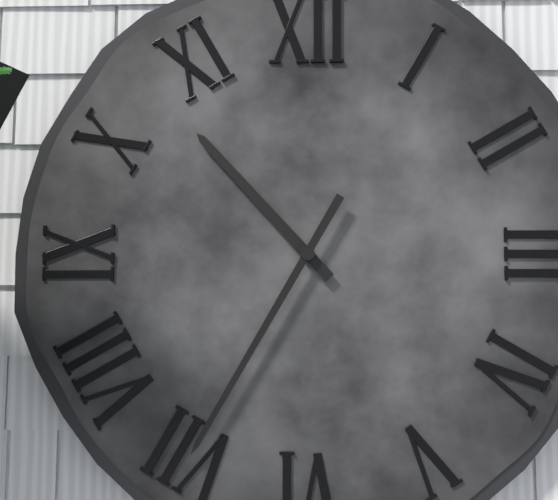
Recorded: 10 h 35 min
